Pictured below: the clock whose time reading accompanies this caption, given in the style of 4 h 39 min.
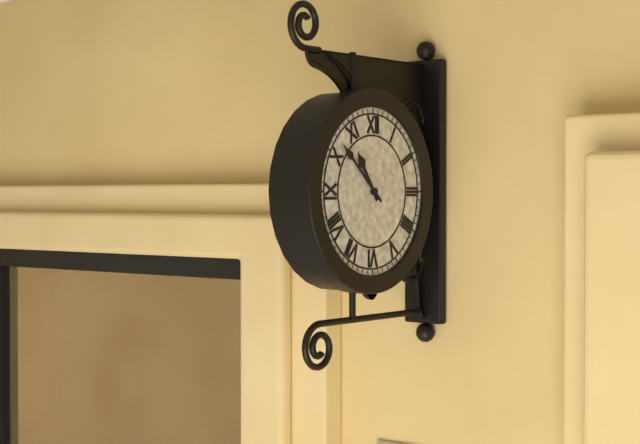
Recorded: 10 h 52 min
